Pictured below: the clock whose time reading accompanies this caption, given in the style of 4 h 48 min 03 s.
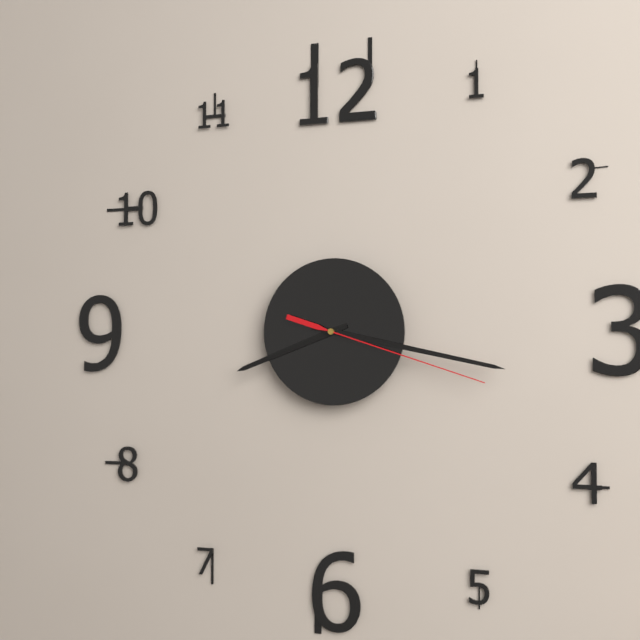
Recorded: 8 h 17 min 18 s
